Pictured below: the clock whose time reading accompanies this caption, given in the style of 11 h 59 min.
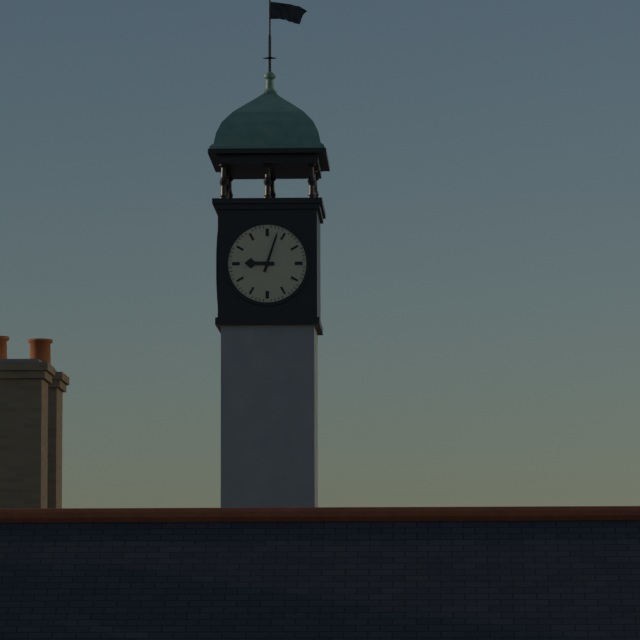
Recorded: 9 h 03 min
